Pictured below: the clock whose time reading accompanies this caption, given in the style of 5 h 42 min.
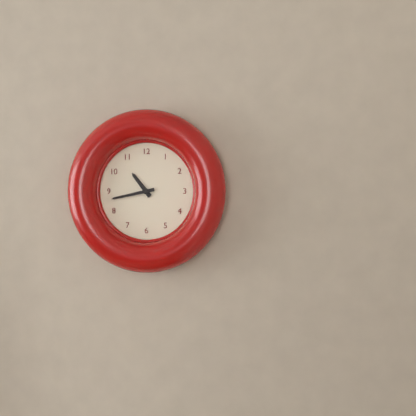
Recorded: 10 h 43 min
